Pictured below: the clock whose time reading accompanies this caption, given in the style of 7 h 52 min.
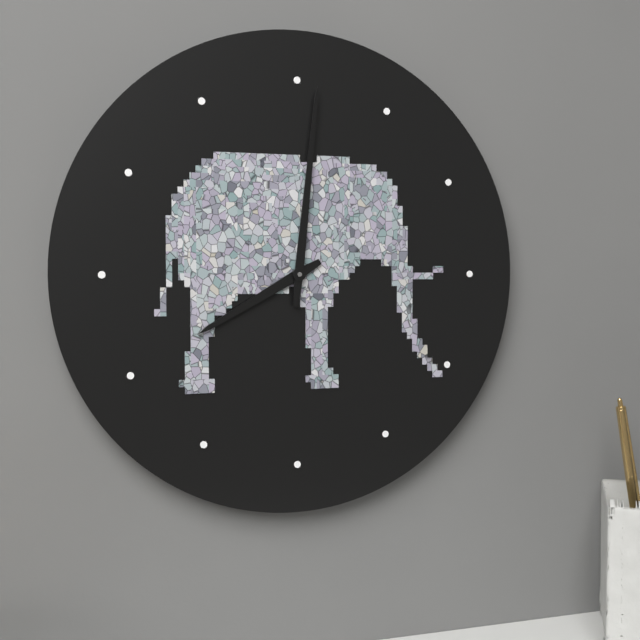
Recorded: 8 h 01 min
